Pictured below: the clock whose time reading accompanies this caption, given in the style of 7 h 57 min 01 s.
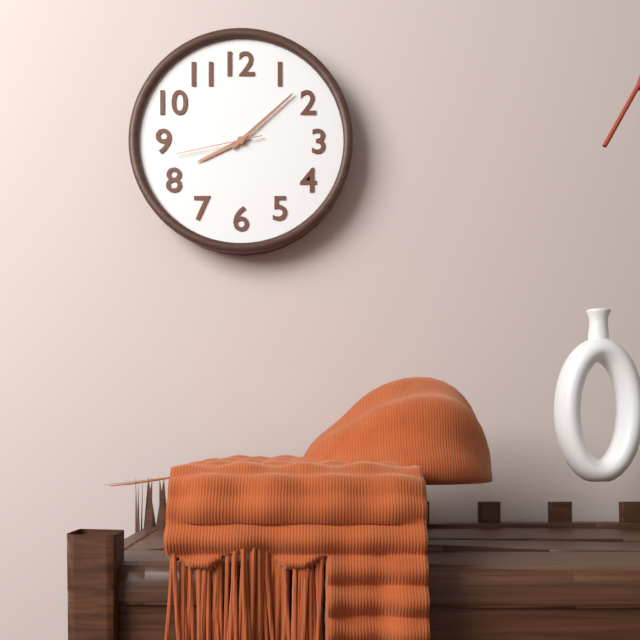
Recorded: 8 h 08 min 43 s
